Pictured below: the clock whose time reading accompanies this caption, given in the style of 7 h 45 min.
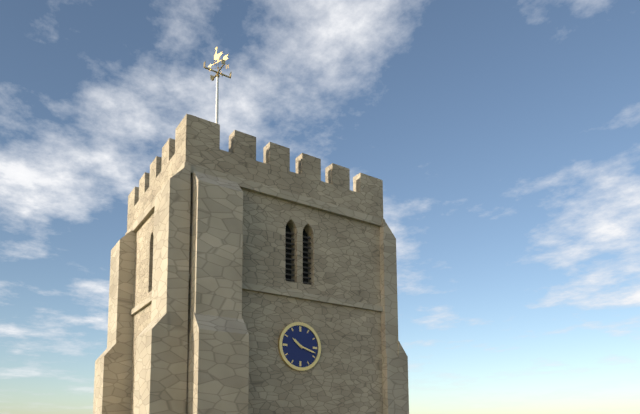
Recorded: 10 h 18 min
